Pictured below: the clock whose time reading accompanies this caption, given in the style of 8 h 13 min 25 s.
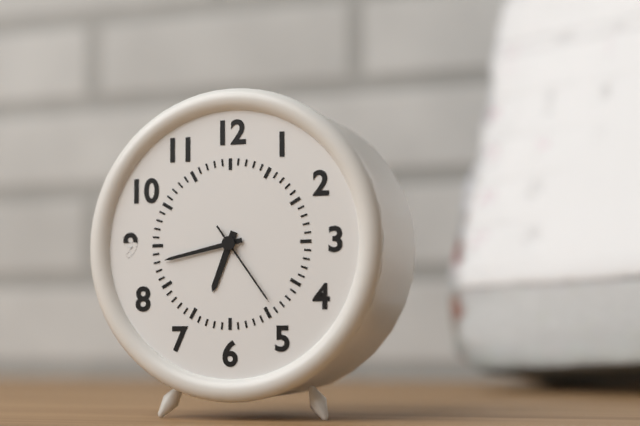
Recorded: 6 h 43 min 24 s
